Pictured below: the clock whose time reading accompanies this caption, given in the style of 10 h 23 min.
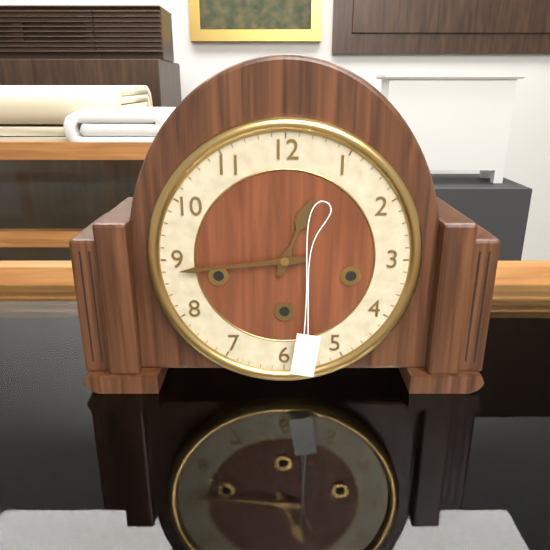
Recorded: 12 h 44 min
